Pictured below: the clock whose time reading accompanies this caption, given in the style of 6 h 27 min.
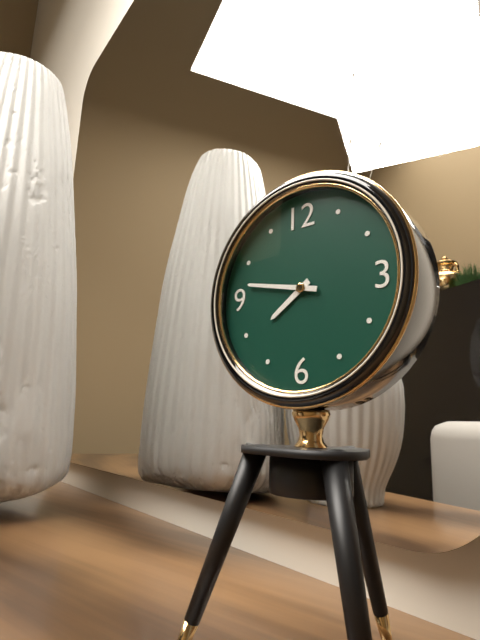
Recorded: 7 h 47 min
